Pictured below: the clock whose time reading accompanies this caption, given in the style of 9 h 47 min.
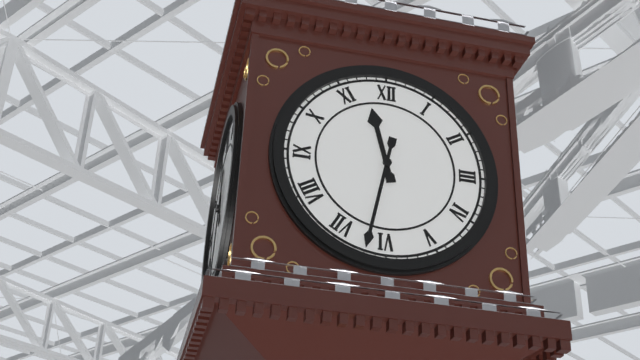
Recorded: 11 h 32 min
